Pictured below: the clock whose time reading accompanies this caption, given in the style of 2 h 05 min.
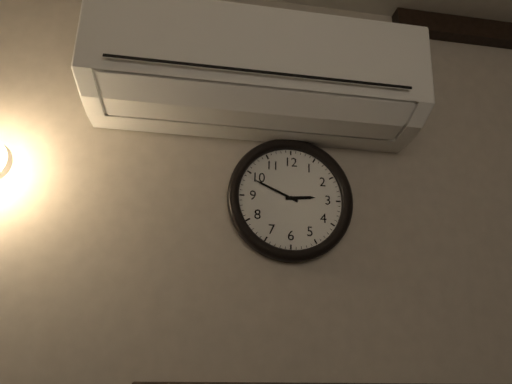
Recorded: 2 h 49 min
